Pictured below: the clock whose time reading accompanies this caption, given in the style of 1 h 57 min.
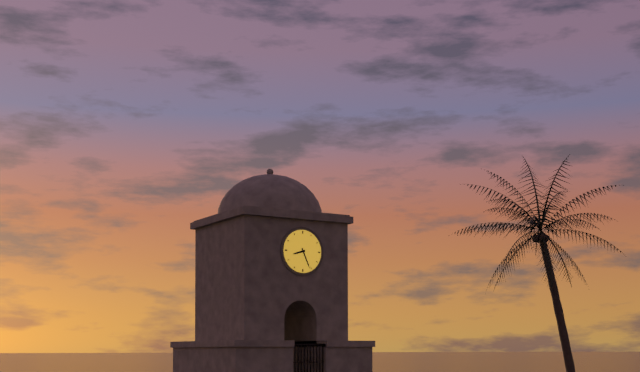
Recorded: 8 h 26 min
